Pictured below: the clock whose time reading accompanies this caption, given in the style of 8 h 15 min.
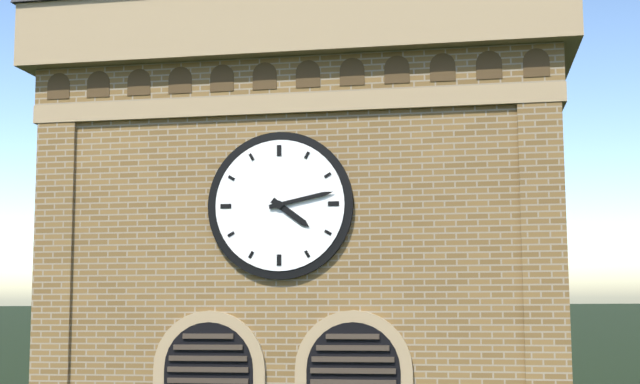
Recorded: 4 h 13 min
